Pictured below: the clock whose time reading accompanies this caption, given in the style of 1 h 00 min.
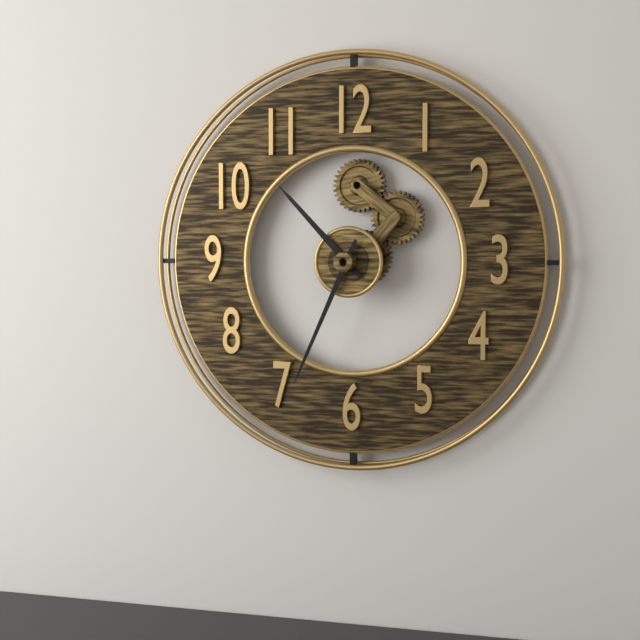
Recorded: 10 h 34 min
